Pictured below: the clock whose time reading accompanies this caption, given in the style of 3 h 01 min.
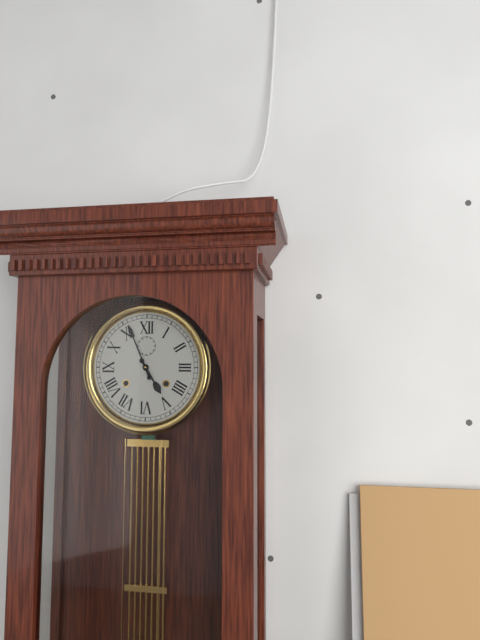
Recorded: 4 h 56 min
